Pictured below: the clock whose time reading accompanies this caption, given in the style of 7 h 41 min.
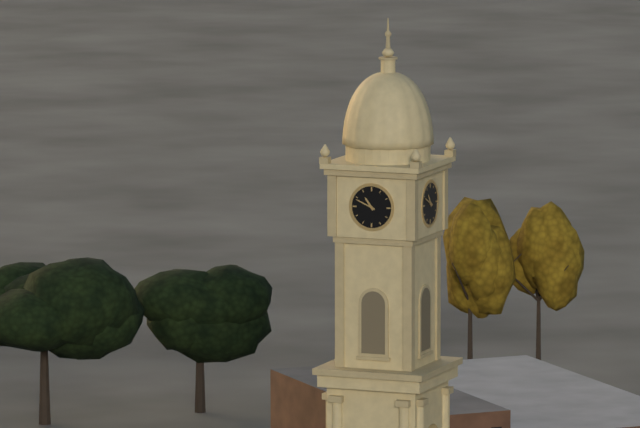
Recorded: 10 h 49 min
